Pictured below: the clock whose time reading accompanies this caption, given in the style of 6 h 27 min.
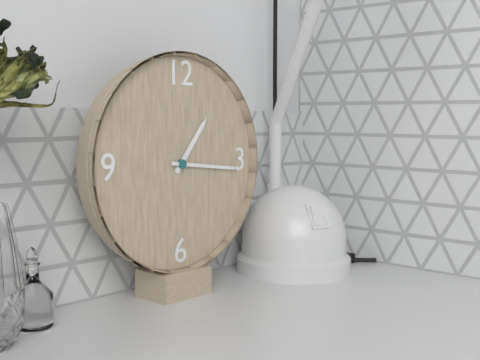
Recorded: 1 h 16 min
